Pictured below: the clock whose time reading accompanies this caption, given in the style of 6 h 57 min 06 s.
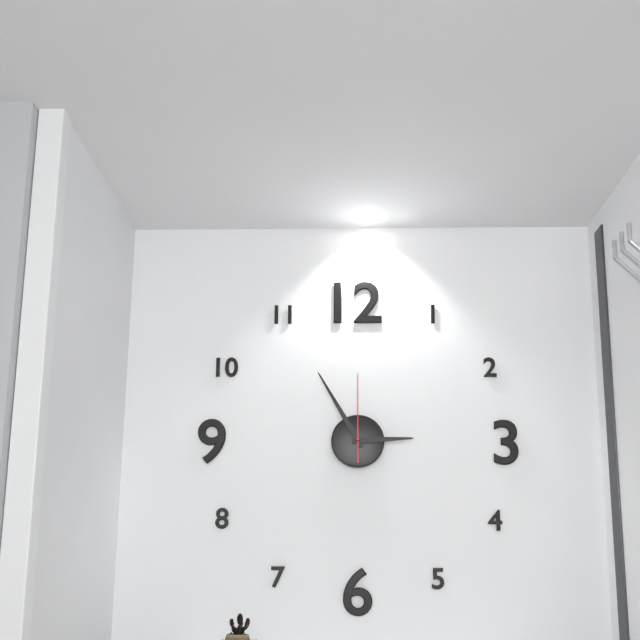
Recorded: 2 h 55 min 00 s
